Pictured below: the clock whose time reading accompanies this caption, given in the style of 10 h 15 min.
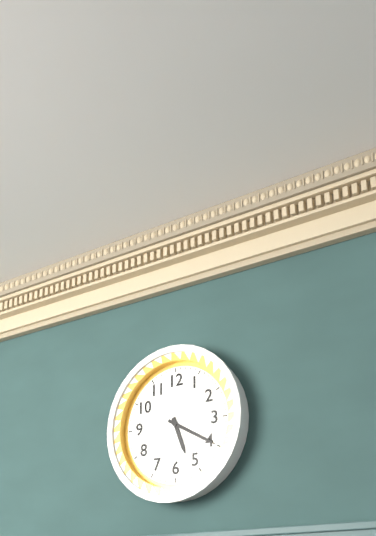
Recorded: 5 h 20 min
